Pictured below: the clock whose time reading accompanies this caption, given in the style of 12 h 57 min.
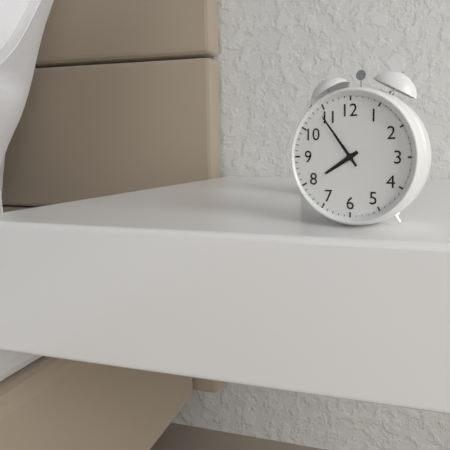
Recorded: 7 h 54 min
